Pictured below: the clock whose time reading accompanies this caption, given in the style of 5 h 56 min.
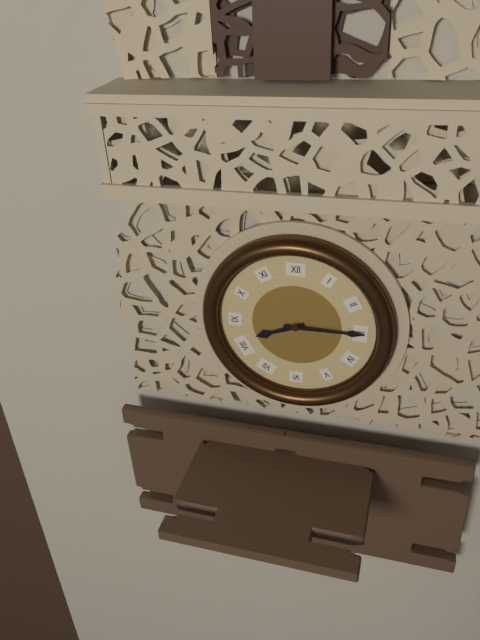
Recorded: 8 h 15 min
